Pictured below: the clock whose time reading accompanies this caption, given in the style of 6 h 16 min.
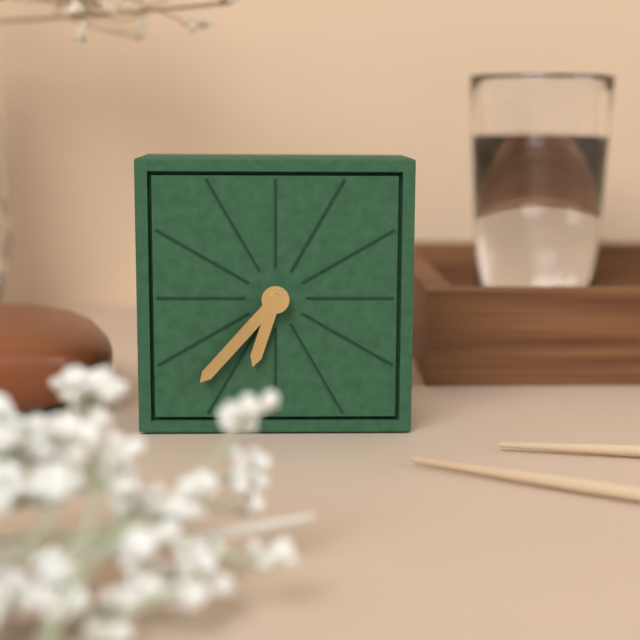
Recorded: 6 h 37 min
